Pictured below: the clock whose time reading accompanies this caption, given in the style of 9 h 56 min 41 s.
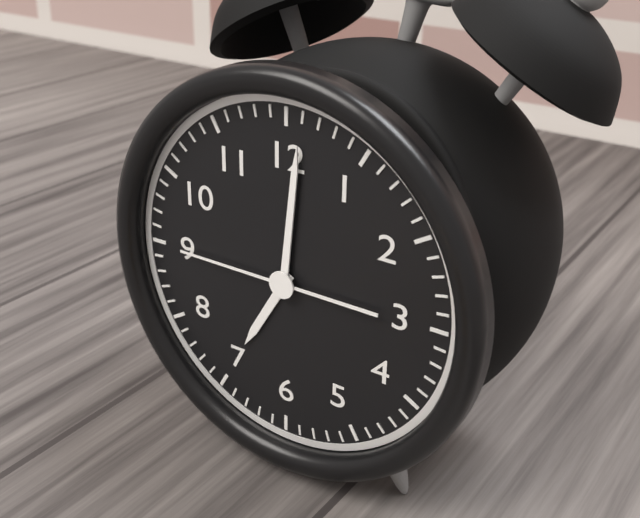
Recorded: 7 h 01 min 45 s
